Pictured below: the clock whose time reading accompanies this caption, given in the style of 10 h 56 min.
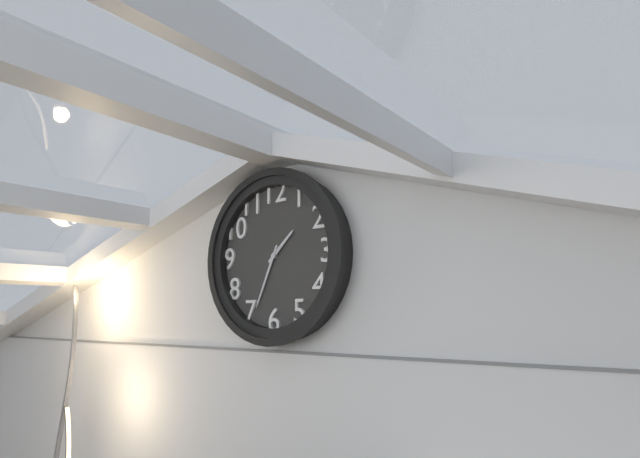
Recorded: 1 h 34 min
